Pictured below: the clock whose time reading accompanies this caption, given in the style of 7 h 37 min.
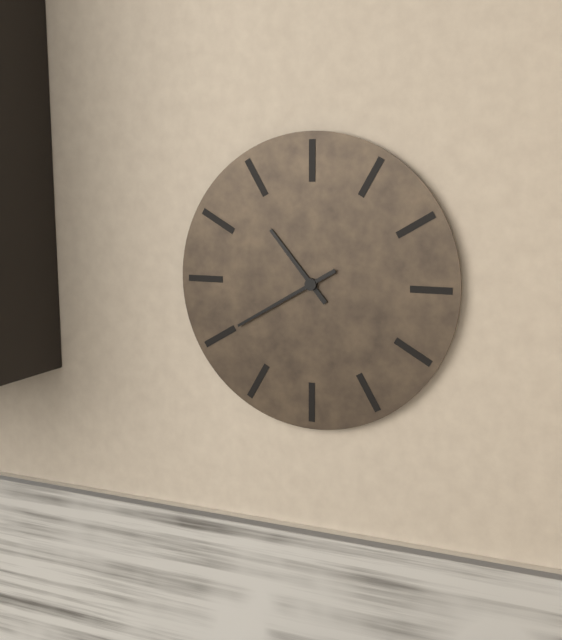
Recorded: 10 h 40 min
